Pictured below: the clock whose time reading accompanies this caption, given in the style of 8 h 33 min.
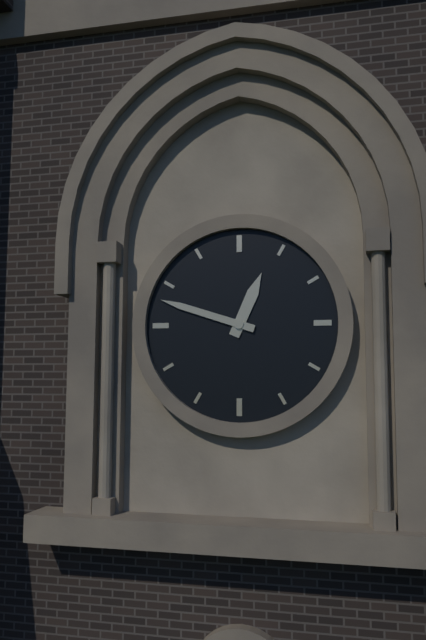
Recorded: 12 h 48 min
